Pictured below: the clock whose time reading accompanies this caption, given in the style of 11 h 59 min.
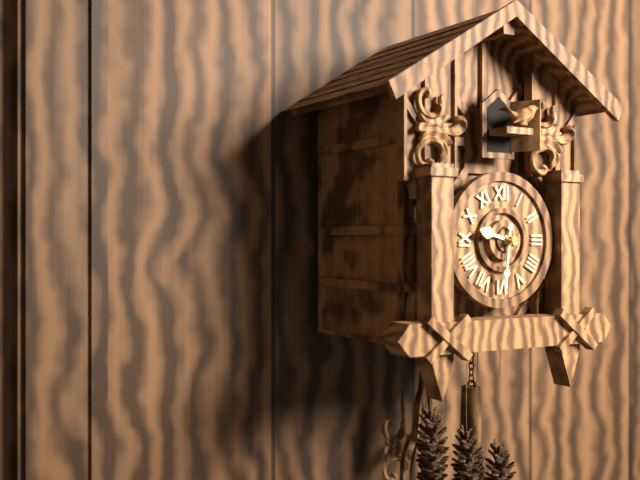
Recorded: 9 h 31 min
